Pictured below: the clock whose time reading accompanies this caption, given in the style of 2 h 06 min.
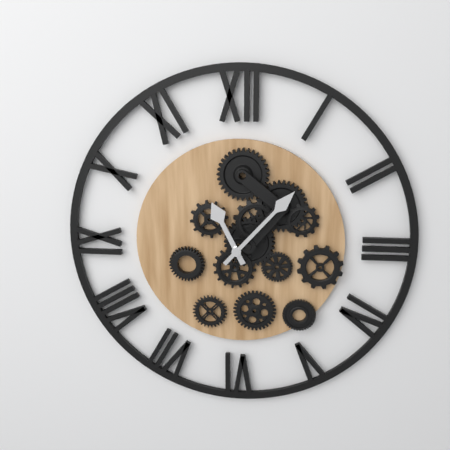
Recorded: 11 h 07 min
